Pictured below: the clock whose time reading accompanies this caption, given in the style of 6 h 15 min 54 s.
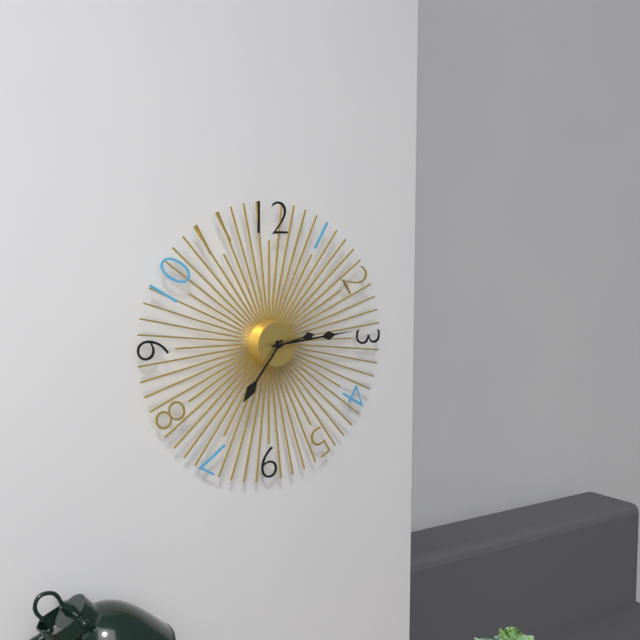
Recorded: 7 h 14 min 13 s
